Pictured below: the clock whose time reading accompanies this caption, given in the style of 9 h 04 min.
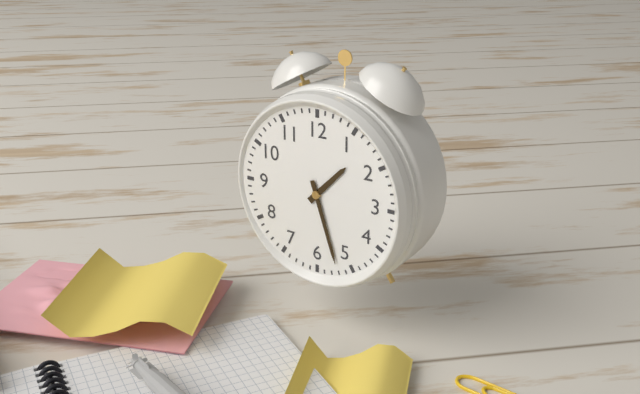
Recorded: 1 h 27 min
